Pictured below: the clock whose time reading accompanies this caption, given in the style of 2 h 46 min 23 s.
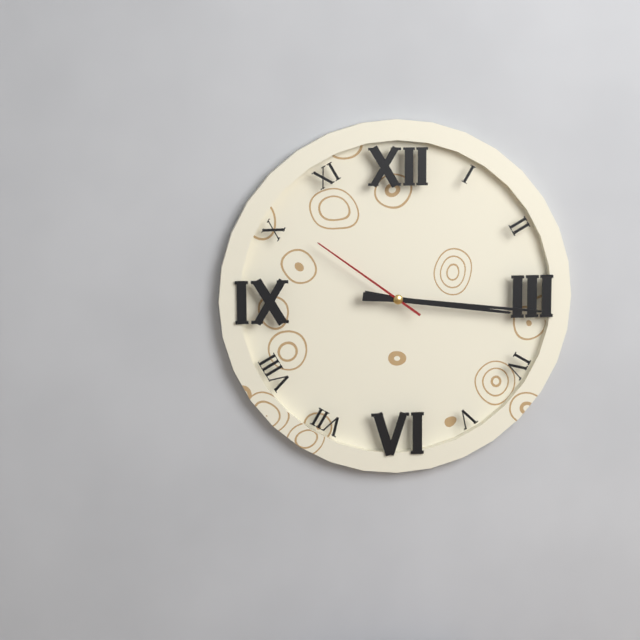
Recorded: 3 h 16 min 51 s
